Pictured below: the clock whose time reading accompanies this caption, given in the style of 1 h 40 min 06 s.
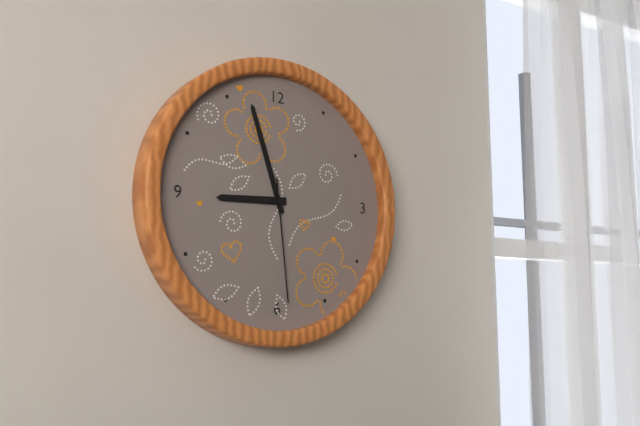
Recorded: 8 h 57 min 29 s
